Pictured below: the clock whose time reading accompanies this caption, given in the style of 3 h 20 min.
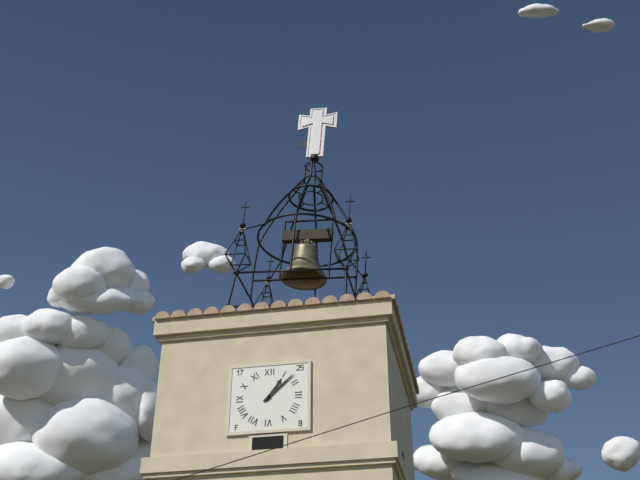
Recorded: 1 h 08 min
